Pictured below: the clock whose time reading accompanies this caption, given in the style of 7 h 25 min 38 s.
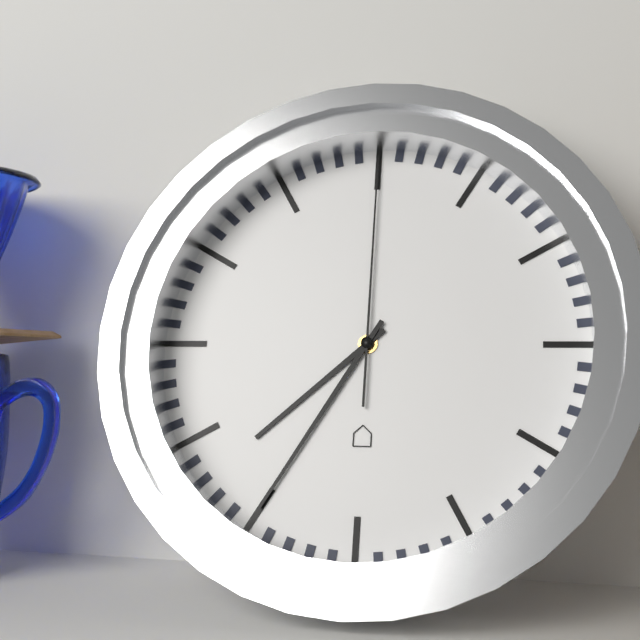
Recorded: 7 h 35 min 00 s
